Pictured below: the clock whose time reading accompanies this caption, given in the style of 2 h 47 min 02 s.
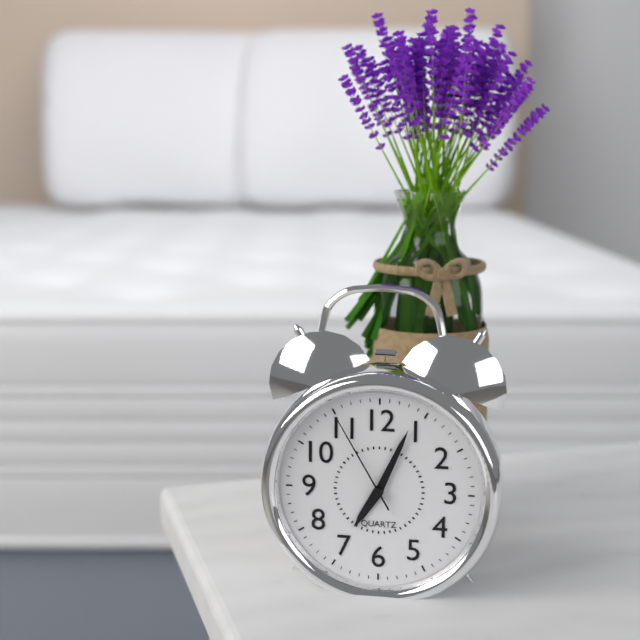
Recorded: 7 h 04 min 55 s
